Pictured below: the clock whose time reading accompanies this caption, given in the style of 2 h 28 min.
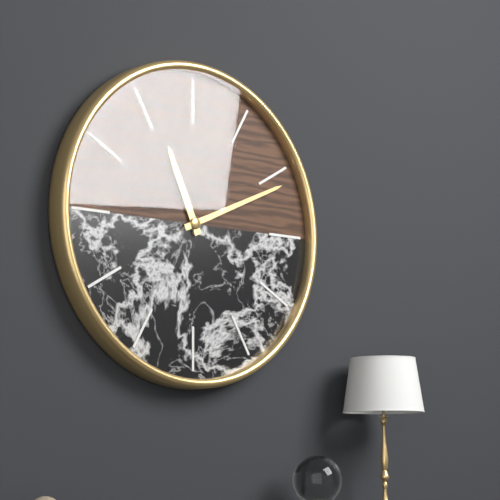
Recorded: 11 h 11 min
